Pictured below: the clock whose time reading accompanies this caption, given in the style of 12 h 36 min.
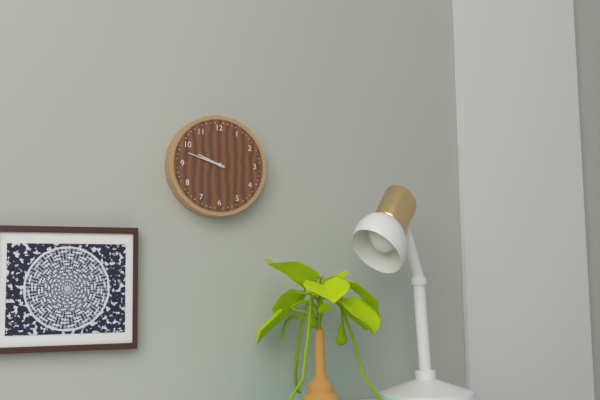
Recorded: 9 h 48 min
